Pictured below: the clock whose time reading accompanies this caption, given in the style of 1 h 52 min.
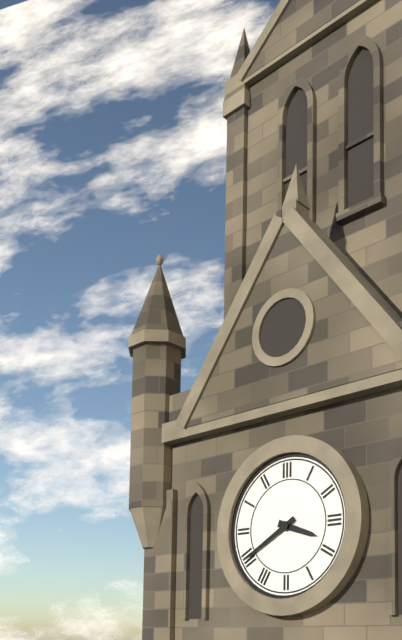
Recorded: 3 h 40 min
